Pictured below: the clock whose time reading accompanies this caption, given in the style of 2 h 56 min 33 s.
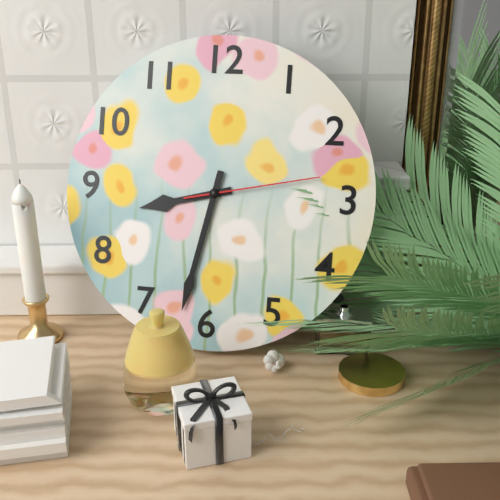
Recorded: 8 h 32 min 13 s
